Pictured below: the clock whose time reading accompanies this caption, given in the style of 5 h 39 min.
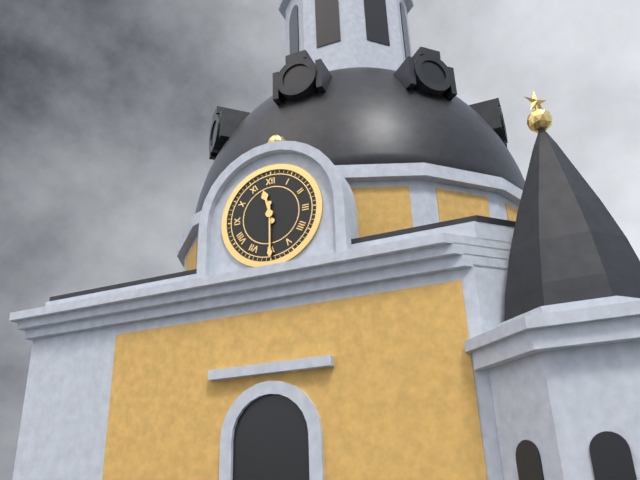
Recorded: 11 h 30 min
